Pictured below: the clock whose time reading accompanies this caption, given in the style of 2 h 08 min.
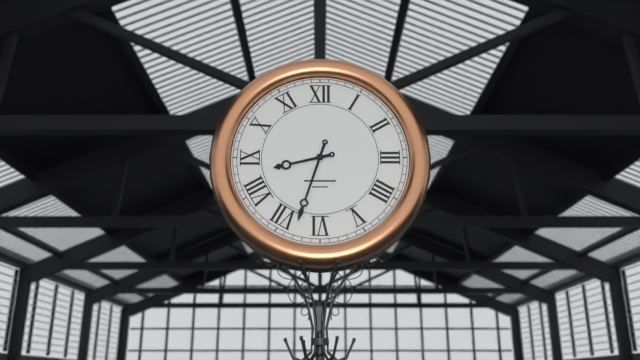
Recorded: 8 h 33 min
